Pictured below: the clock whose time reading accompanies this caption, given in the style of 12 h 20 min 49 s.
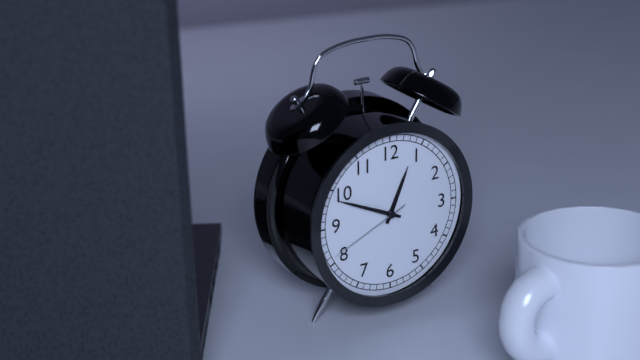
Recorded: 12 h 49 min 41 s
